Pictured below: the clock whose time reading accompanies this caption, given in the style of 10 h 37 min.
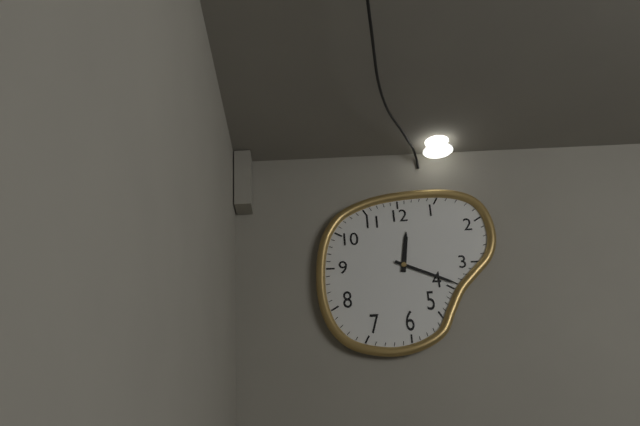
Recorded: 12 h 19 min
